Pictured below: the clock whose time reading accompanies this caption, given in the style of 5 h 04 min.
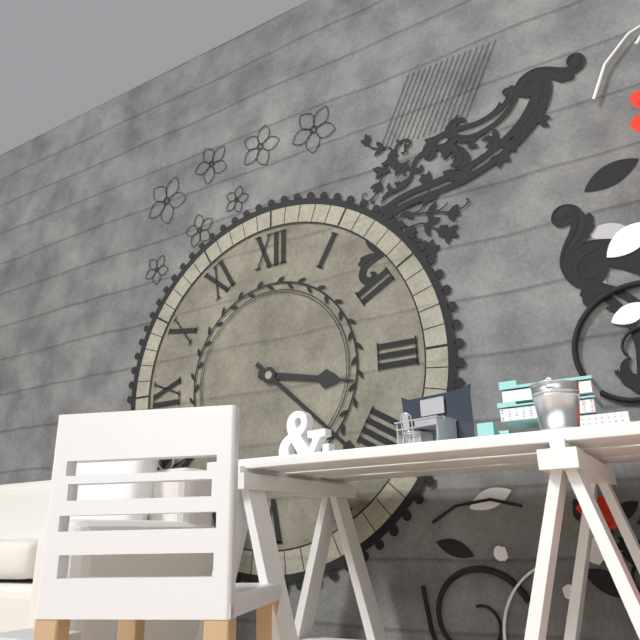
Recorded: 3 h 22 min
